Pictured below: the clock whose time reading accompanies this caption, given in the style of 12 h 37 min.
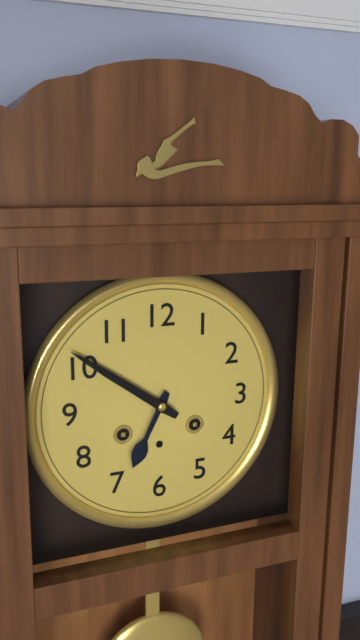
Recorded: 6 h 51 min
